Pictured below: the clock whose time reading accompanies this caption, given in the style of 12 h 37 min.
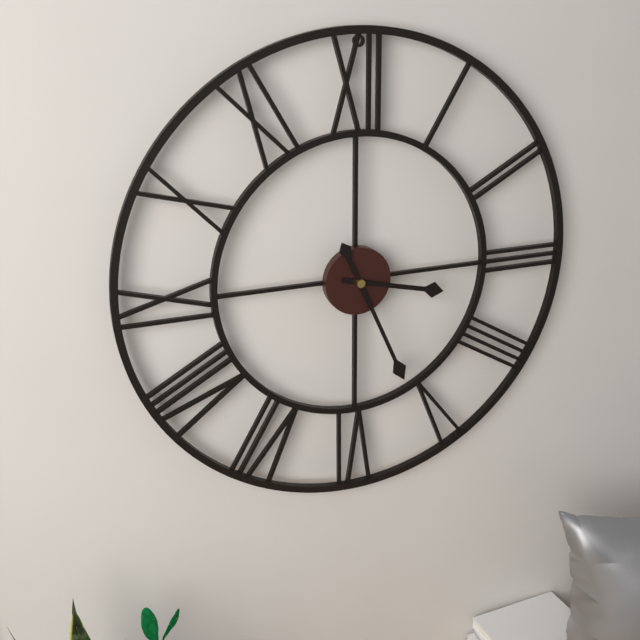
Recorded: 3 h 26 min
